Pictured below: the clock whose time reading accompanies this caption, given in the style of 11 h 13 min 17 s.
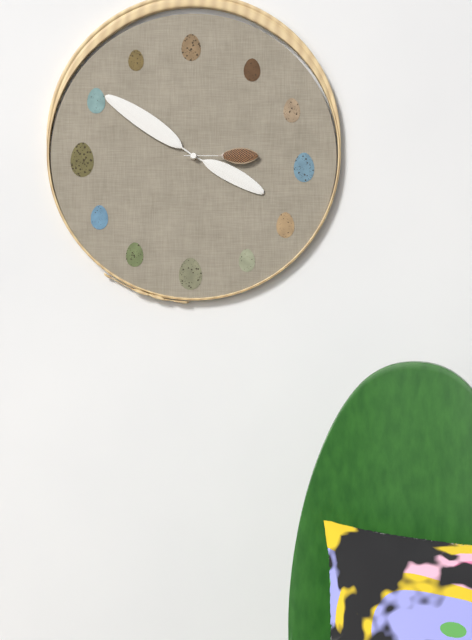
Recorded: 3 h 51 min 15 s
